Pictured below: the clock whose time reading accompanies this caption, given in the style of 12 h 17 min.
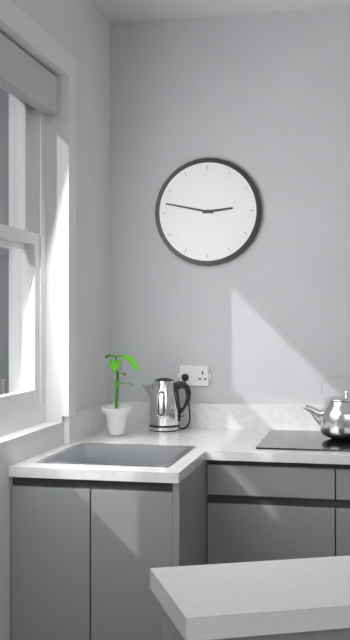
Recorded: 2 h 47 min
